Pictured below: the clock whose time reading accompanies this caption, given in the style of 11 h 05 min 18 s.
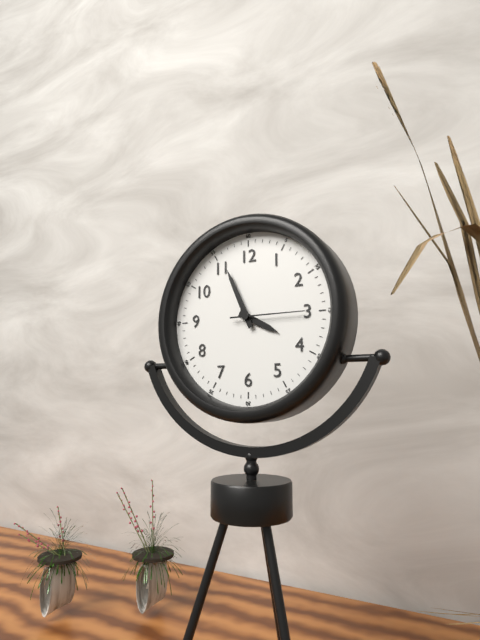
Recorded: 3 h 56 min 15 s
